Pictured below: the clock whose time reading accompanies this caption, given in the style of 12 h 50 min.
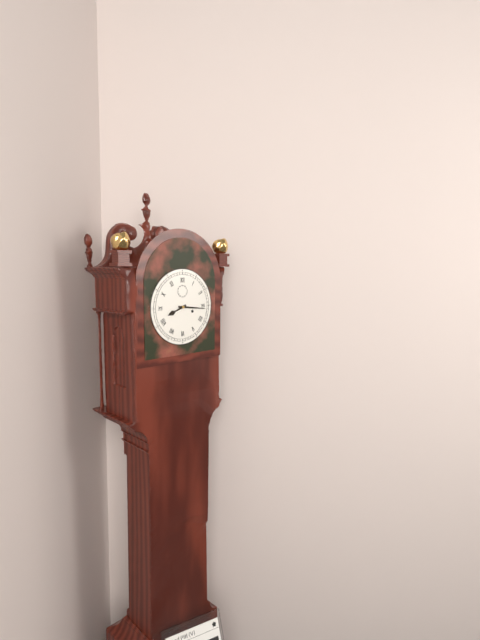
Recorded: 8 h 16 min
